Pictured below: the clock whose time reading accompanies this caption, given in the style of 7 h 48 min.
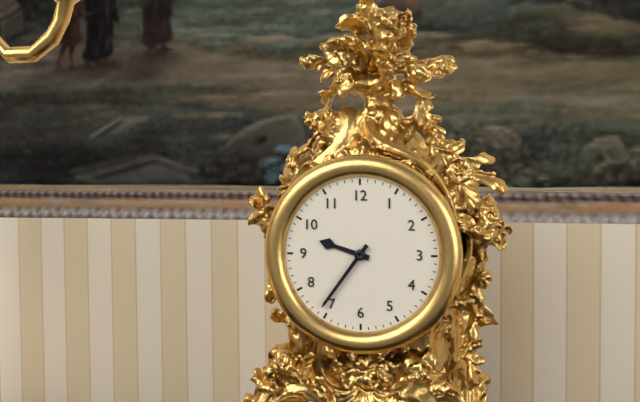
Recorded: 9 h 36 min
